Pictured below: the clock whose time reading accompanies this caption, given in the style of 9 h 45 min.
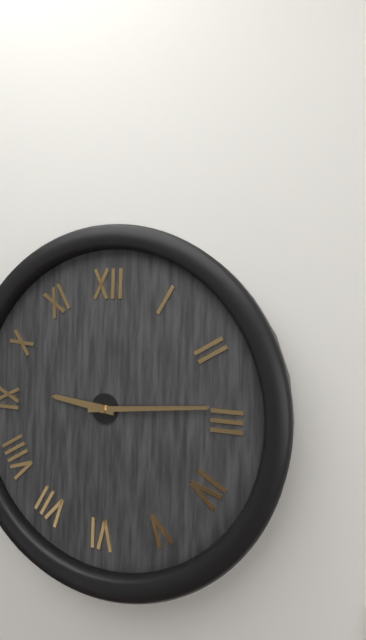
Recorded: 9 h 14 min
